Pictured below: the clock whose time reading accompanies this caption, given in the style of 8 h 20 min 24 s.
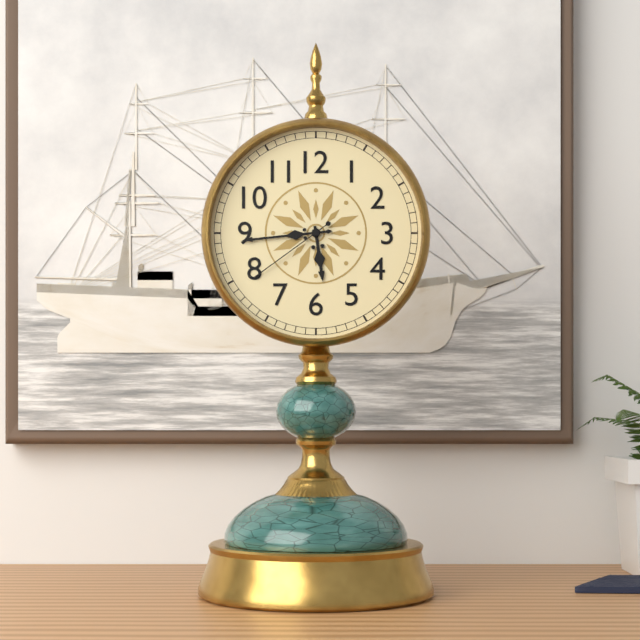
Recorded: 5 h 44 min 39 s
